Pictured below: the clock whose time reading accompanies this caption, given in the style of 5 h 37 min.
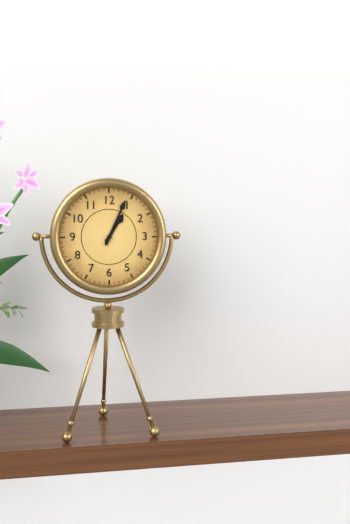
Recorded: 1 h 04 min
